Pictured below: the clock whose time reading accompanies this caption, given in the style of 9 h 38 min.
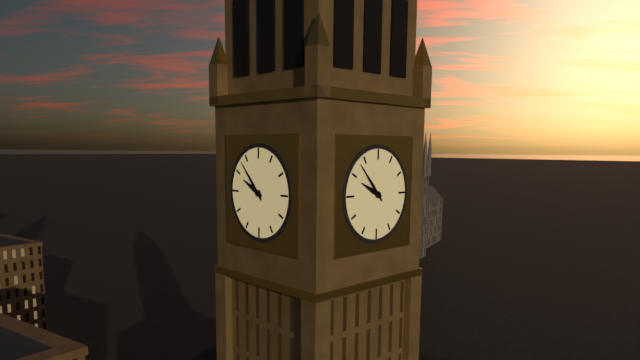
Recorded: 9 h 53 min
